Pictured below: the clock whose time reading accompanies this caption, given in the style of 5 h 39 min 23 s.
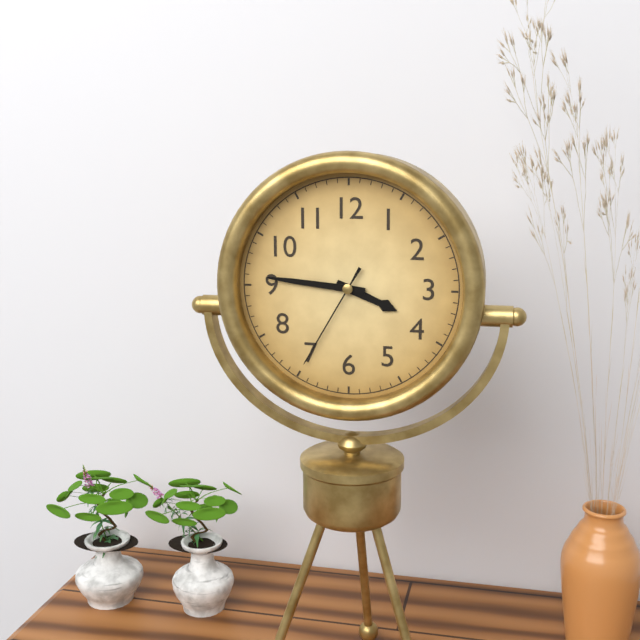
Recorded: 3 h 46 min 35 s
